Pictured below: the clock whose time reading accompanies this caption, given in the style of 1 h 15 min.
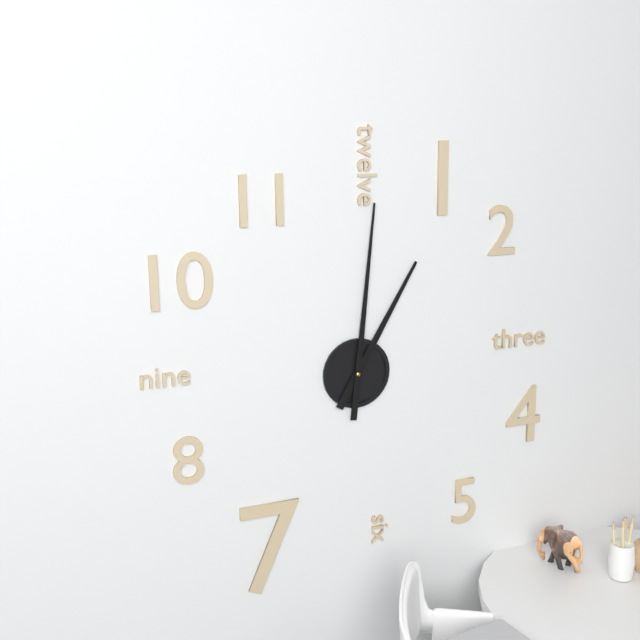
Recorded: 1 h 01 min
